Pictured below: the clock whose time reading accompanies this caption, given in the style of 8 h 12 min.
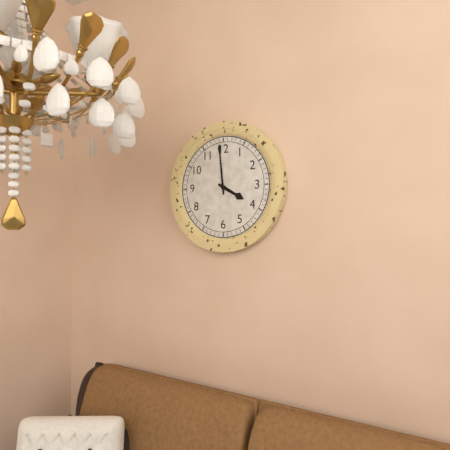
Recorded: 3 h 59 min
